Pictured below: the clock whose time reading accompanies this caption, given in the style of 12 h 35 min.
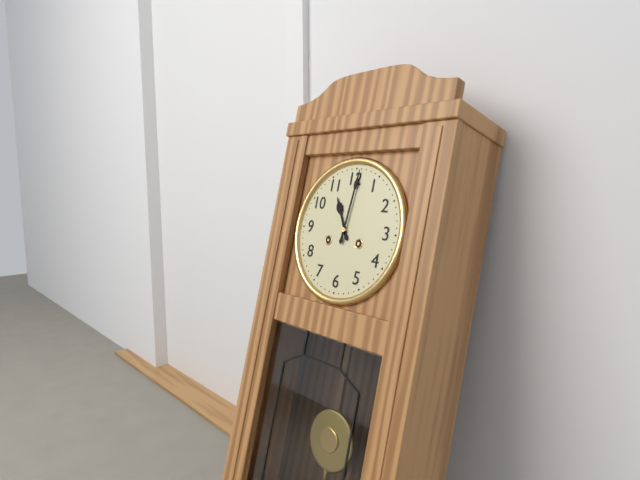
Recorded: 11 h 01 min
